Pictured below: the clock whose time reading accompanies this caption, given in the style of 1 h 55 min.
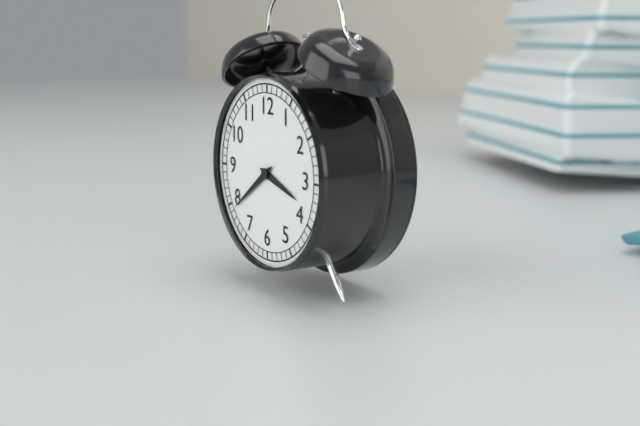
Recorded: 3 h 39 min
